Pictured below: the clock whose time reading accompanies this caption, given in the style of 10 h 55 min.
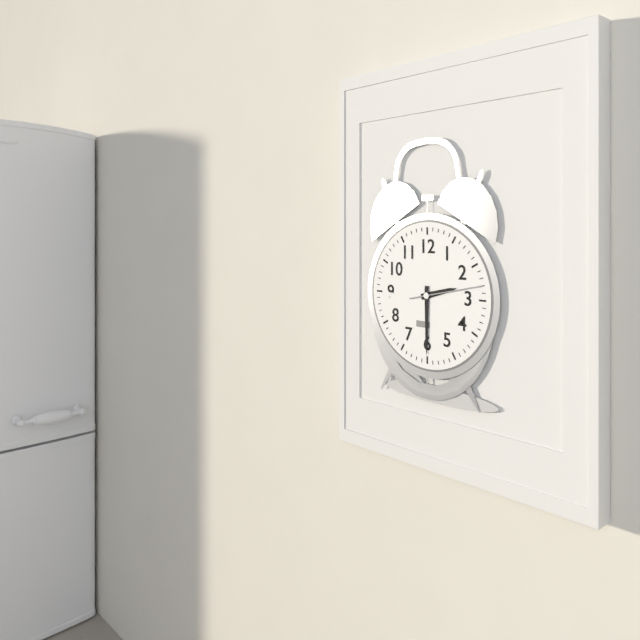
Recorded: 2 h 30 min
